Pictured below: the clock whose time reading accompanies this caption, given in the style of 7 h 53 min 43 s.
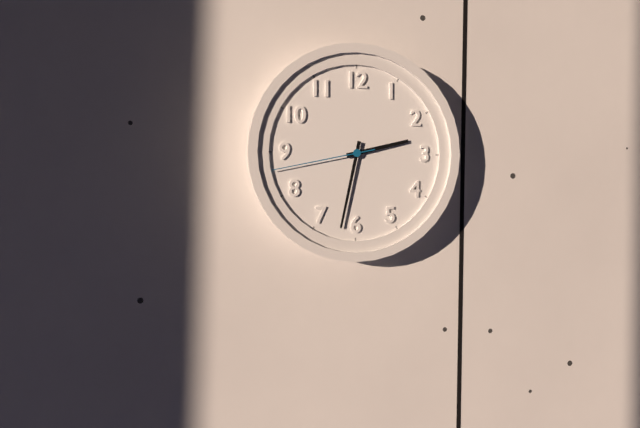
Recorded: 2 h 32 min 43 s
